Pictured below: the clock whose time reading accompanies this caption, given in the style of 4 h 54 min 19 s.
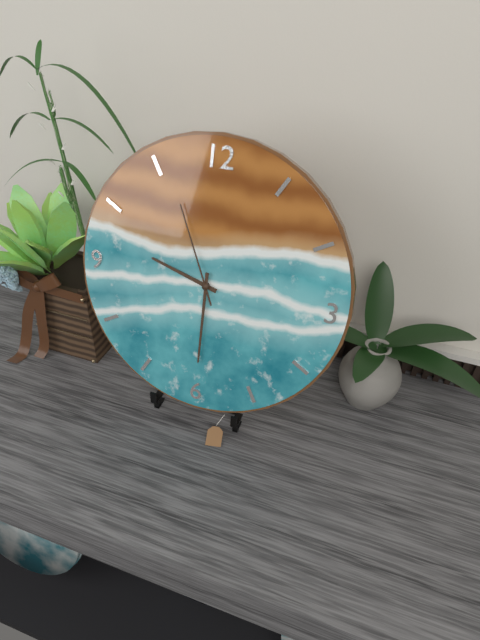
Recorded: 9 h 30 min 56 s
